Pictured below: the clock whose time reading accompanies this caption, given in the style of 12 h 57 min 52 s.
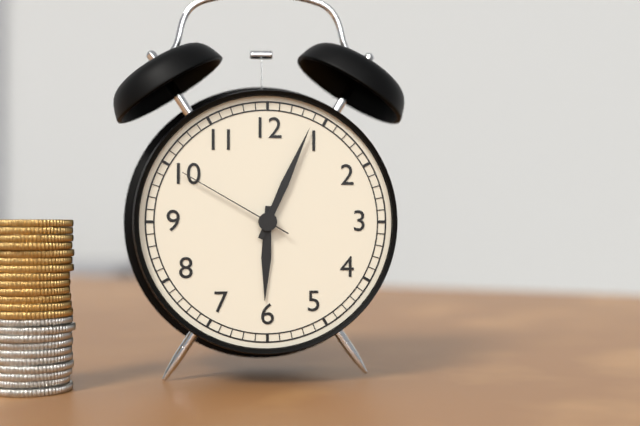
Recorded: 6 h 04 min 50 s
